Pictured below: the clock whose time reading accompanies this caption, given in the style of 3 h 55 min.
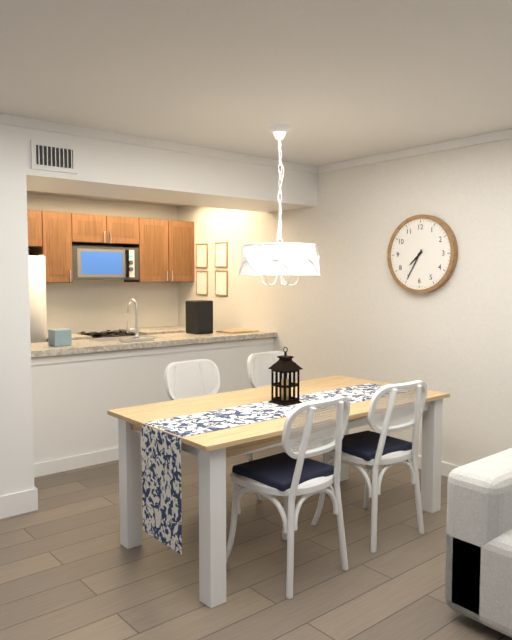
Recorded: 7 h 35 min
